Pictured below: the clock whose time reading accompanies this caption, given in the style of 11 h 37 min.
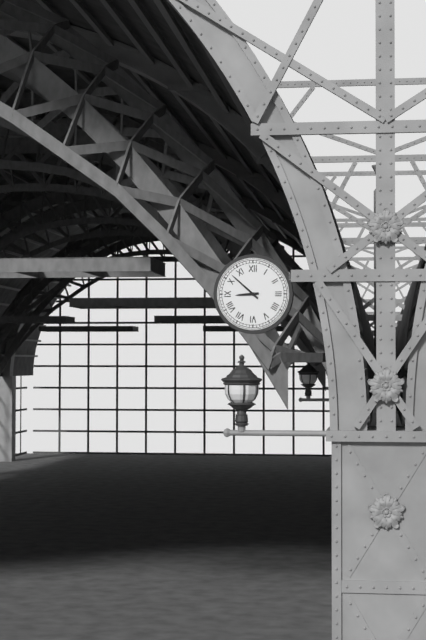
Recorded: 8 h 52 min
